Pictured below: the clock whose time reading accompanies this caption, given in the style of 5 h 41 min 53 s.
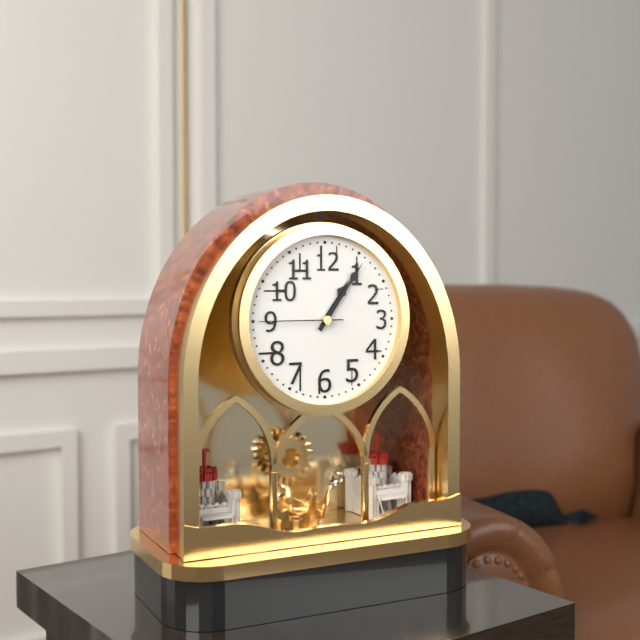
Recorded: 1 h 06 min 45 s
